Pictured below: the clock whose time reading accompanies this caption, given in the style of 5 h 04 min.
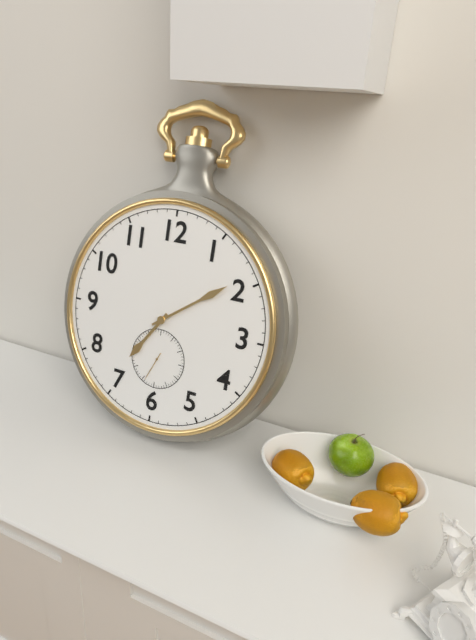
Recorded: 7 h 09 min
